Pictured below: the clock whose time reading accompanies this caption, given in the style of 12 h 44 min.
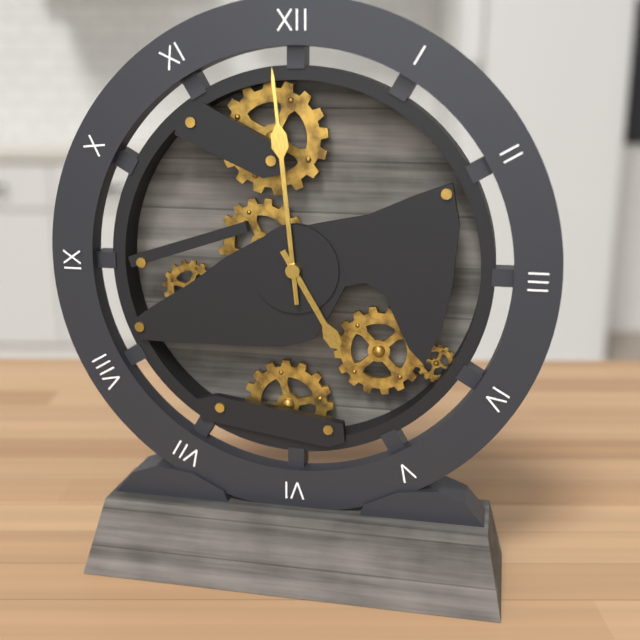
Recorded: 4 h 59 min
